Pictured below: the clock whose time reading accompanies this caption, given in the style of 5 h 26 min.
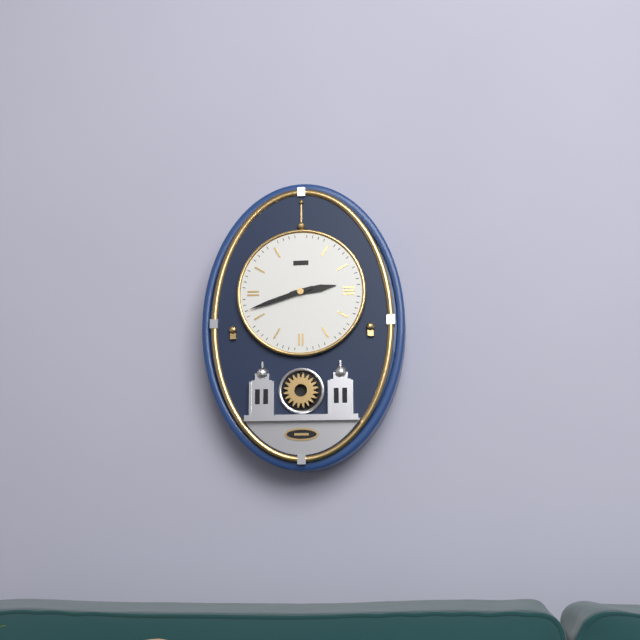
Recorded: 2 h 42 min
